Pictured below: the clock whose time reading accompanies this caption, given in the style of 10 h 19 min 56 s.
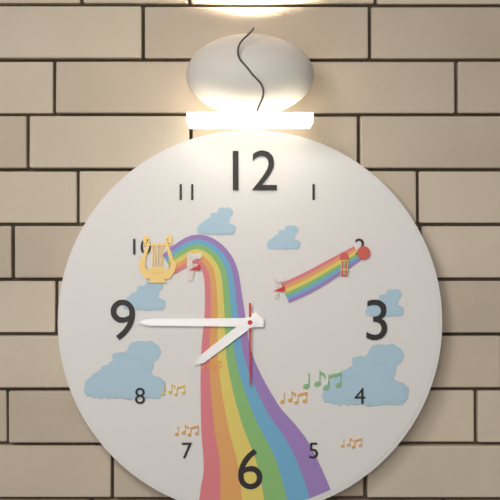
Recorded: 7 h 45 min 30 s
